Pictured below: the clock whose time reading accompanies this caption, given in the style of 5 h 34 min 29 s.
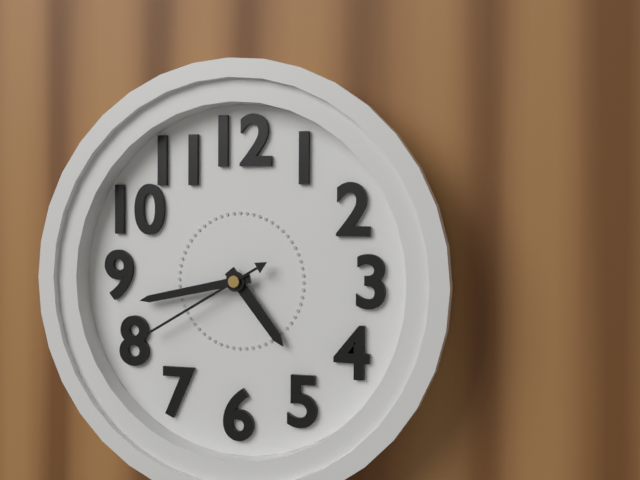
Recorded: 4 h 43 min 40 s
